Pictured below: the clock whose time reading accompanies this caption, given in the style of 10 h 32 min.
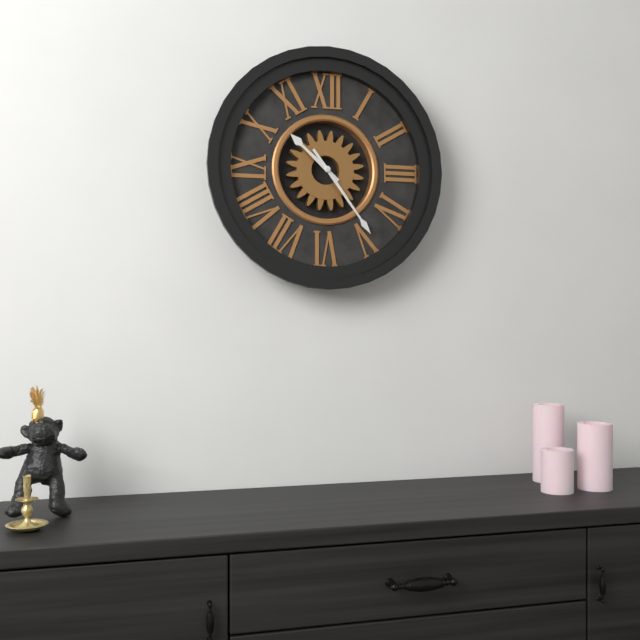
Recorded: 10 h 24 min
